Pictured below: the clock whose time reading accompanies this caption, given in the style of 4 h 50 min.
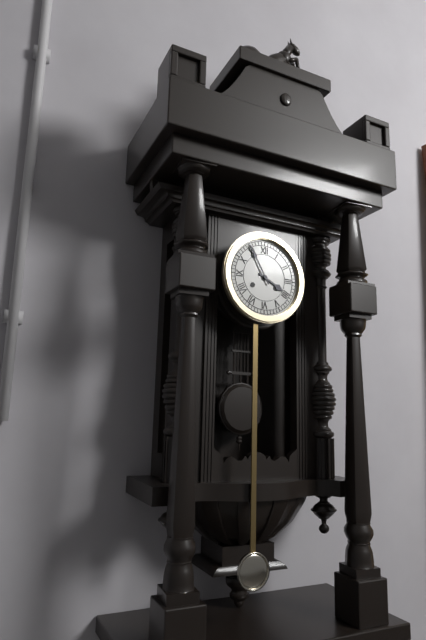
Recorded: 3 h 55 min
